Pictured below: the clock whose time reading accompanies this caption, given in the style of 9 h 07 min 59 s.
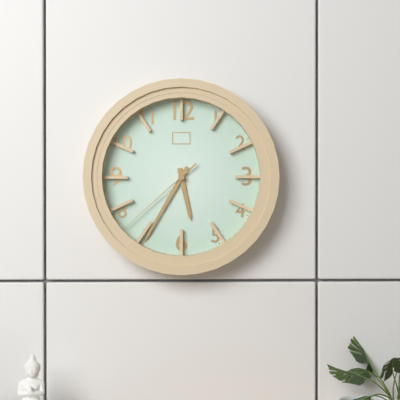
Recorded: 5 h 35 min 38 s
